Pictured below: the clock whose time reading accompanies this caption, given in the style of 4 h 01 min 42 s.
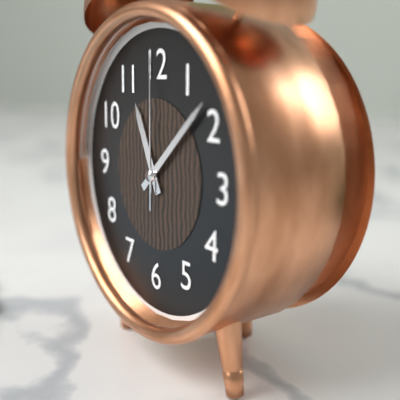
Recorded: 11 h 08 min 00 s
